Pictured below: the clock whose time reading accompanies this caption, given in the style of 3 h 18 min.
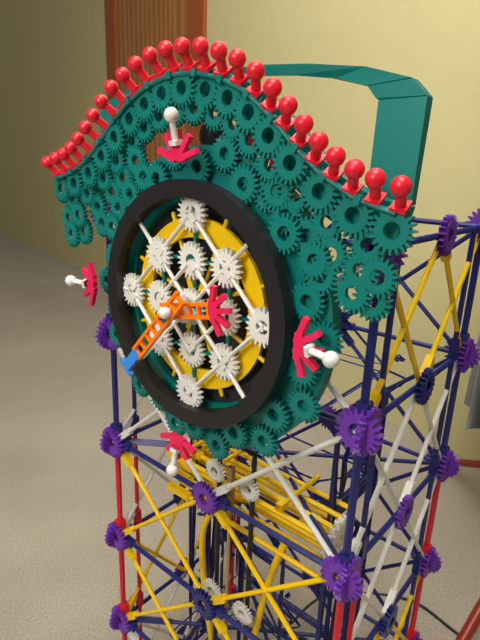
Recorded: 2 h 37 min
